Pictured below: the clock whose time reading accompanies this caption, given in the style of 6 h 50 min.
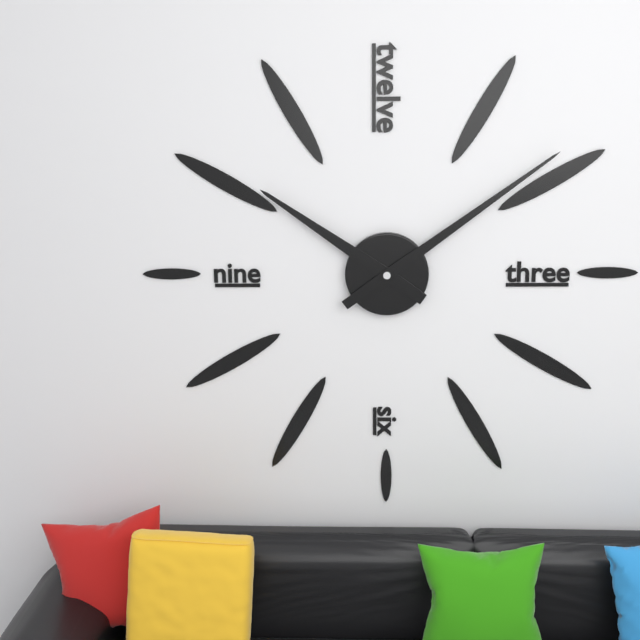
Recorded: 10 h 09 min
